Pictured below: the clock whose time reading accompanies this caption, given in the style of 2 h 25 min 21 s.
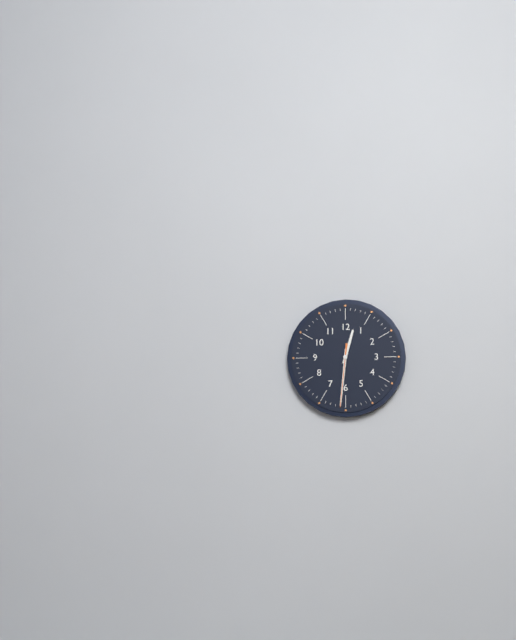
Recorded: 12 h 31 min 31 s
